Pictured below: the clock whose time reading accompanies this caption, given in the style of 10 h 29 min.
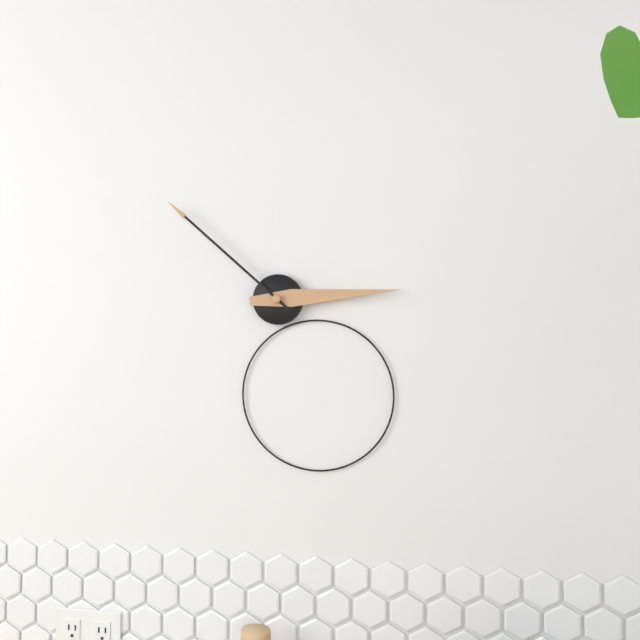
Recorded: 2 h 52 min
